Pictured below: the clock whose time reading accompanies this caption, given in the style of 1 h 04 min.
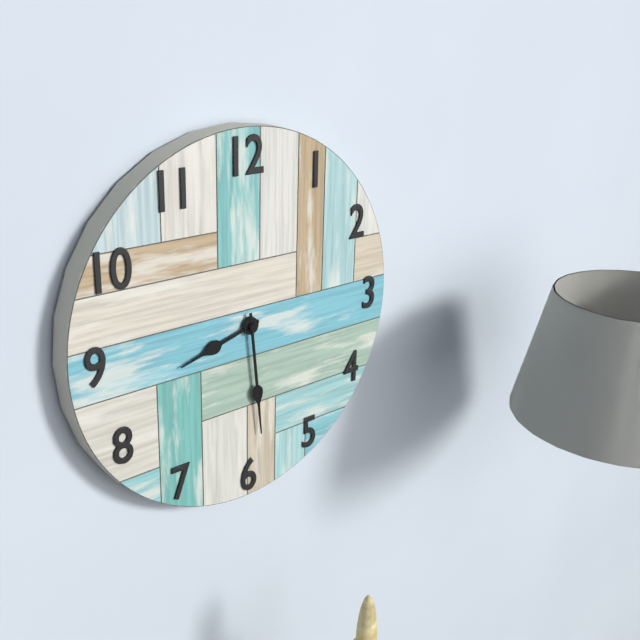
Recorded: 8 h 29 min
